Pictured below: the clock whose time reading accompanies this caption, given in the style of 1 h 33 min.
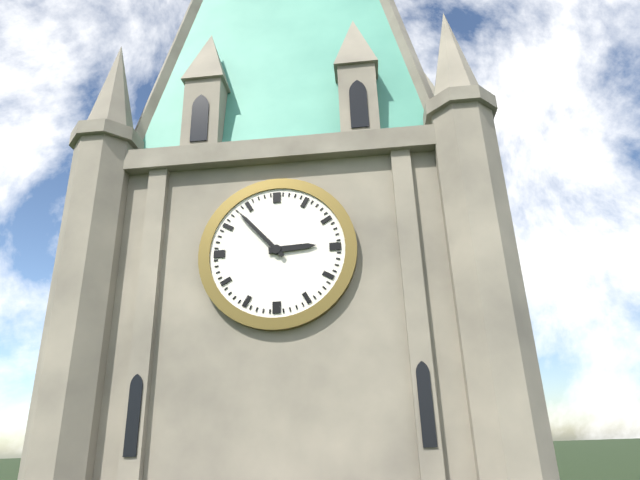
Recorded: 2 h 53 min
